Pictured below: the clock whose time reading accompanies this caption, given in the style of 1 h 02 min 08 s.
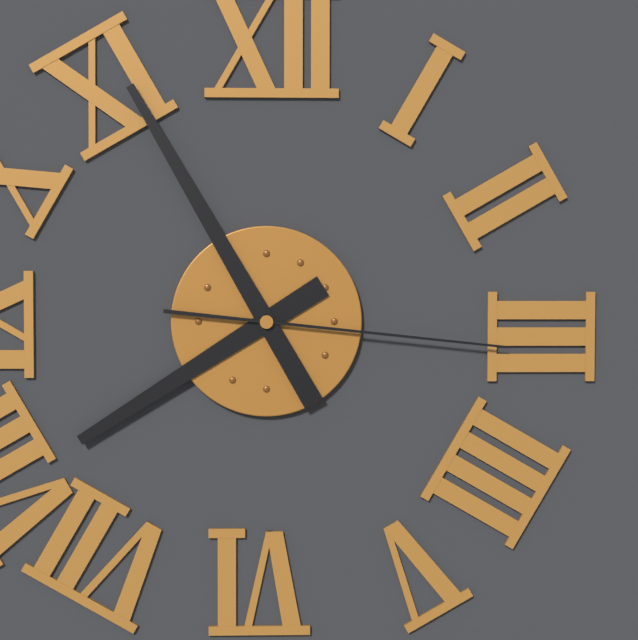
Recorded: 7 h 55 min 16 s
